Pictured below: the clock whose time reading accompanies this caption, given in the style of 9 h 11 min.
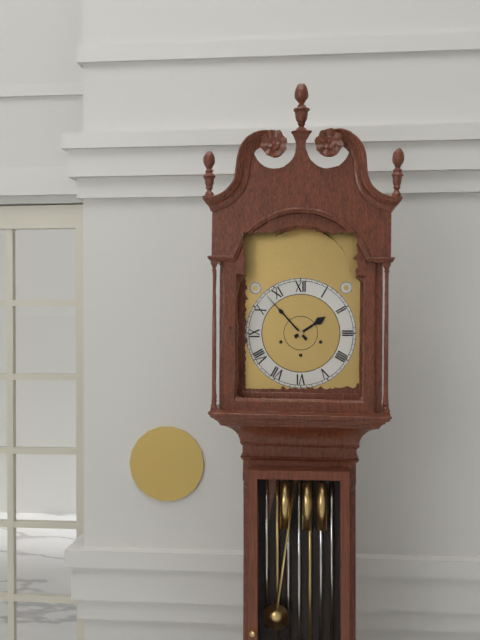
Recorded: 1 h 53 min
